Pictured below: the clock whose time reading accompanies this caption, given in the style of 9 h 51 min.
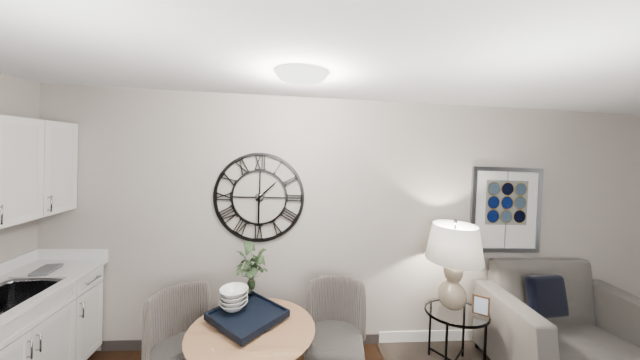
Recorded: 1 h 30 min
